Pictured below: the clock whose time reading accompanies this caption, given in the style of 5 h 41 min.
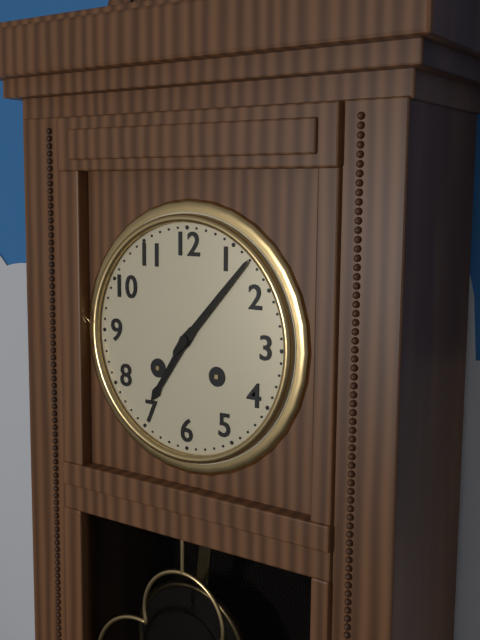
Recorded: 7 h 07 min
